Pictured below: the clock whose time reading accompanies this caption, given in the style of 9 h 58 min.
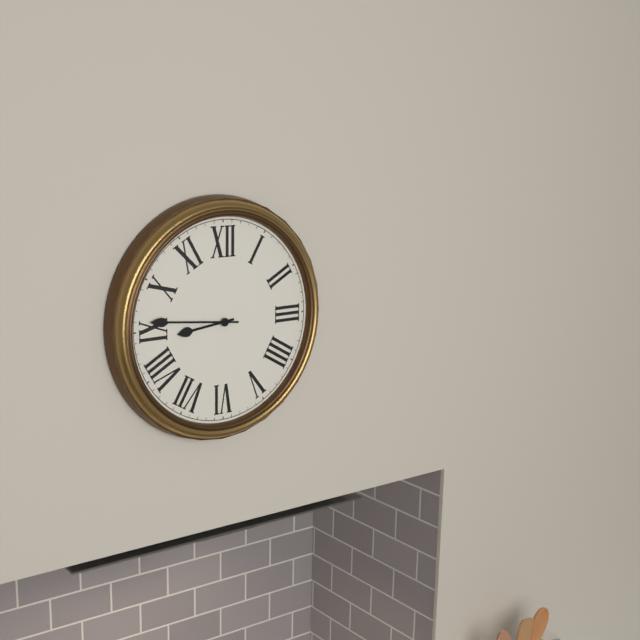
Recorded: 8 h 46 min
